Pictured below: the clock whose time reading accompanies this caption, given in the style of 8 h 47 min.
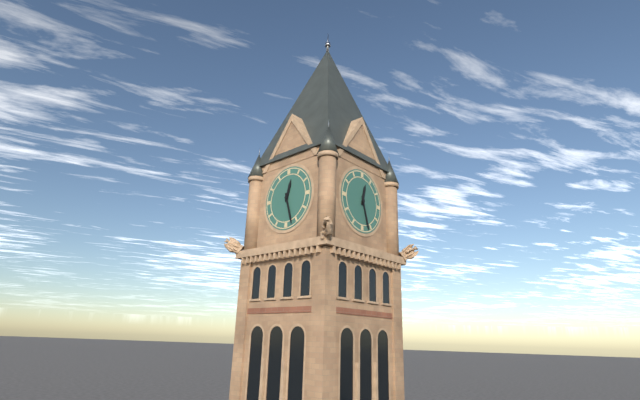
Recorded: 12 h 27 min
